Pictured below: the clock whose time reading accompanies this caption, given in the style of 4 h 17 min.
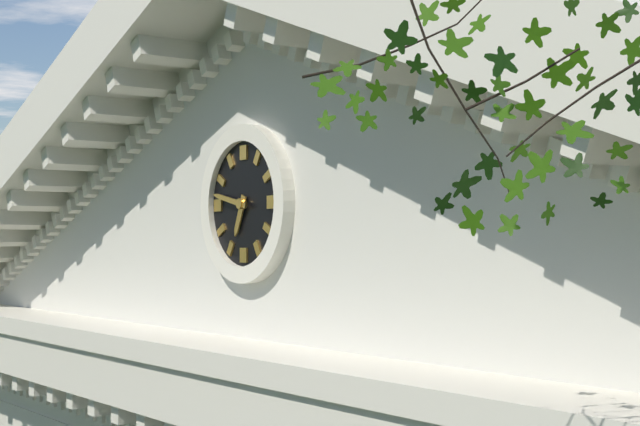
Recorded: 6 h 47 min
